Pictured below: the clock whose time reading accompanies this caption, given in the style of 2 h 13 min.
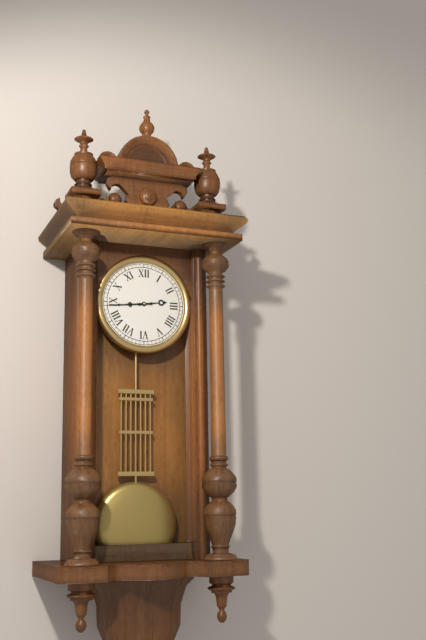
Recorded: 2 h 44 min
